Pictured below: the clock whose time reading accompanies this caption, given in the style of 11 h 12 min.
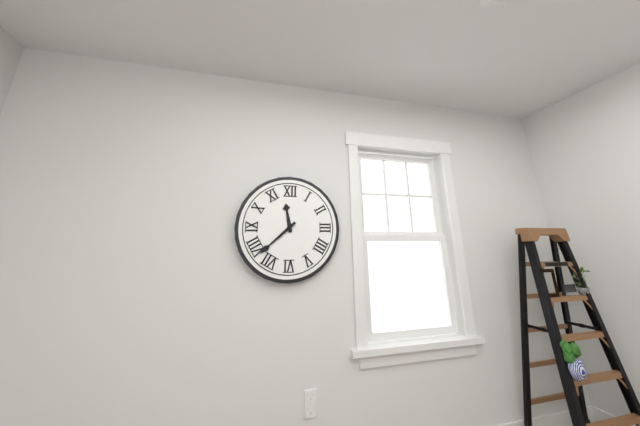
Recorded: 11 h 38 min
